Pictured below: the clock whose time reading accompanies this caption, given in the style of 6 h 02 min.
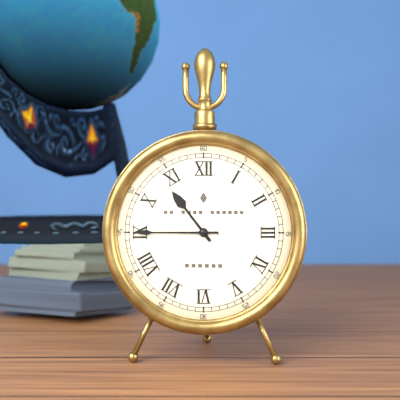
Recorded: 10 h 45 min
